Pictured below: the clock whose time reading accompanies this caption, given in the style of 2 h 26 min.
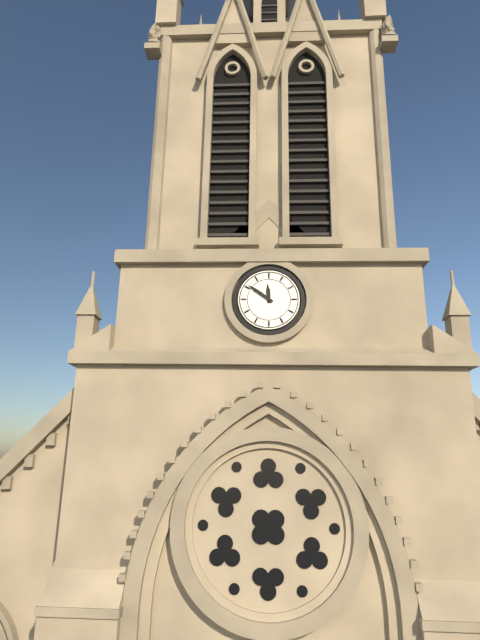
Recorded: 11 h 51 min
